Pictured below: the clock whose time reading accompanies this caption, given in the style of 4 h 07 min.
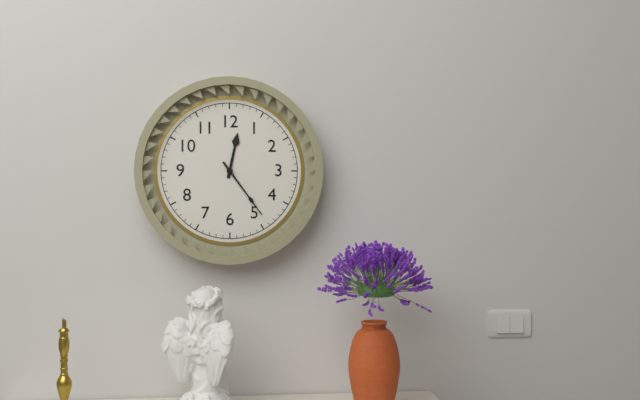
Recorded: 12 h 24 min
